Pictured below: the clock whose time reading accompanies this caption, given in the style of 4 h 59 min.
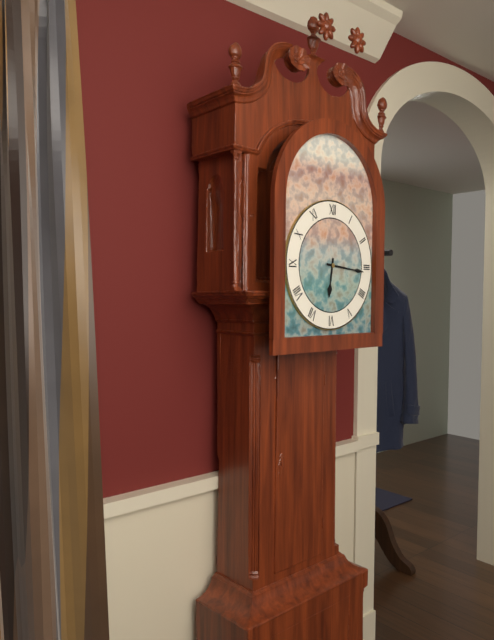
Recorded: 6 h 16 min
